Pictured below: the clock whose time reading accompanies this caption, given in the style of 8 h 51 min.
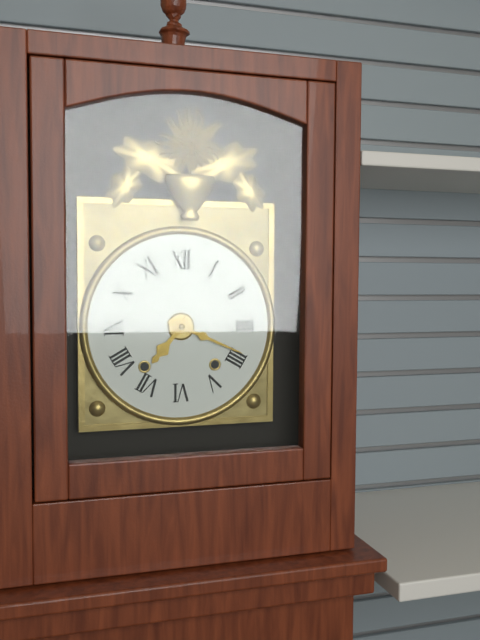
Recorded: 7 h 19 min
